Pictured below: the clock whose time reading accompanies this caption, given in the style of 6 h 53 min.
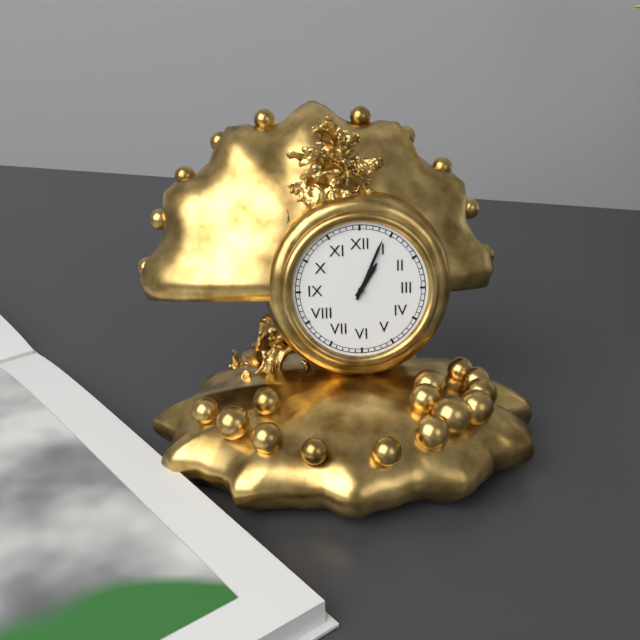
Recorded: 1 h 04 min
